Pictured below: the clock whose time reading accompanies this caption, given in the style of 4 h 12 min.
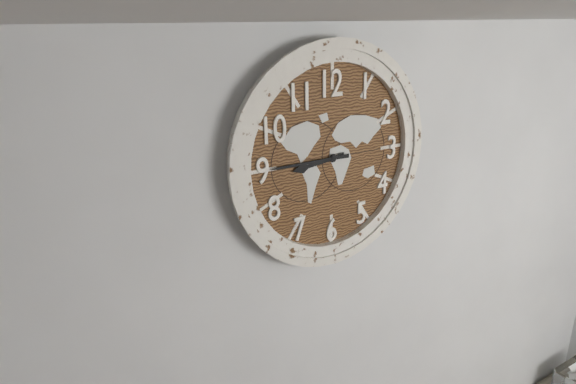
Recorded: 8 h 45 min
